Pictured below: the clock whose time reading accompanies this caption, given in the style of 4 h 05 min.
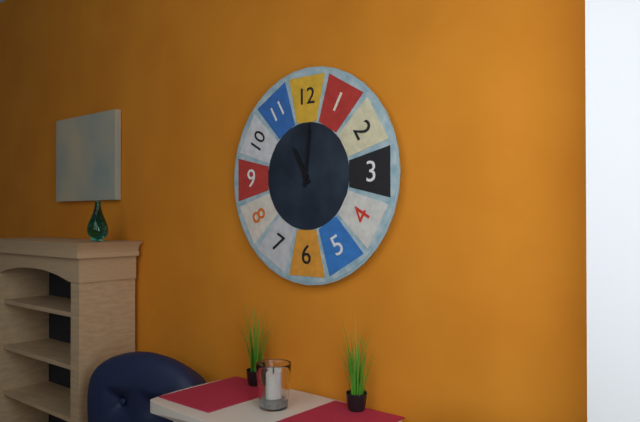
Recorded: 11 h 01 min
